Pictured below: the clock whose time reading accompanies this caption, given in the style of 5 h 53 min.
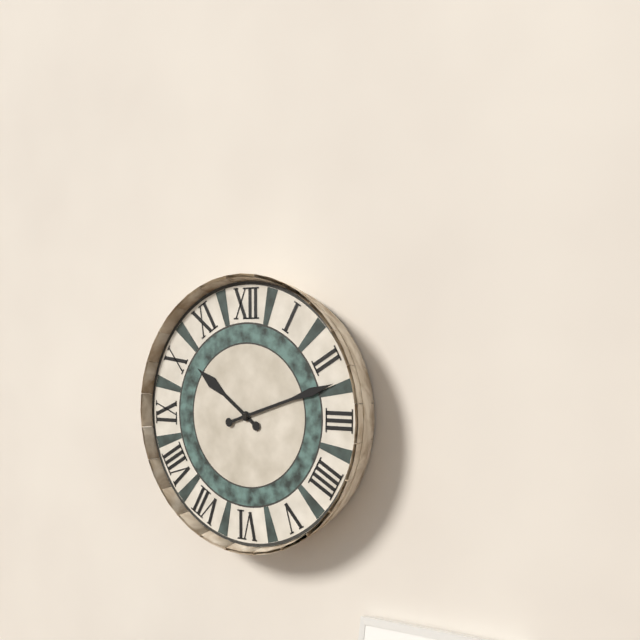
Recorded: 10 h 12 min
